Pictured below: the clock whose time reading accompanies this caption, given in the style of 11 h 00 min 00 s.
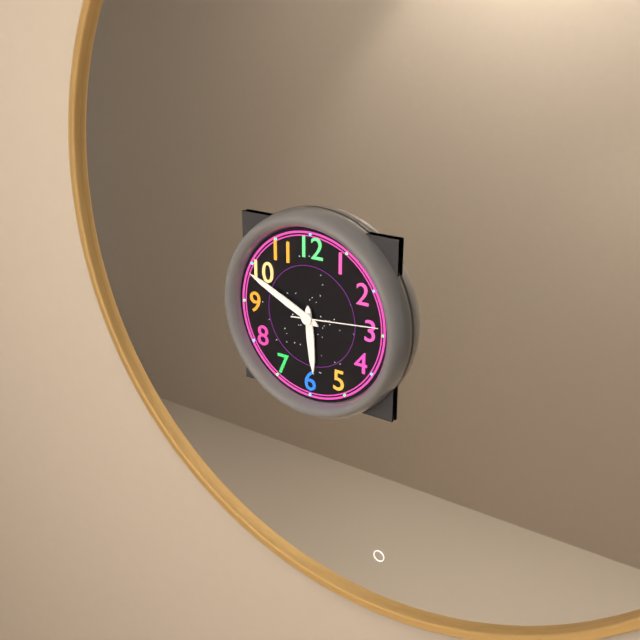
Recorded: 5 h 49 min 14 s
